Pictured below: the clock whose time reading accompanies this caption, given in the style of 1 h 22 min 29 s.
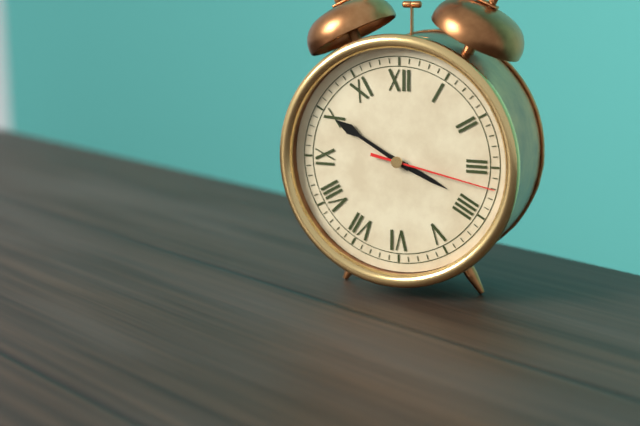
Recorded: 3 h 50 min 17 s
